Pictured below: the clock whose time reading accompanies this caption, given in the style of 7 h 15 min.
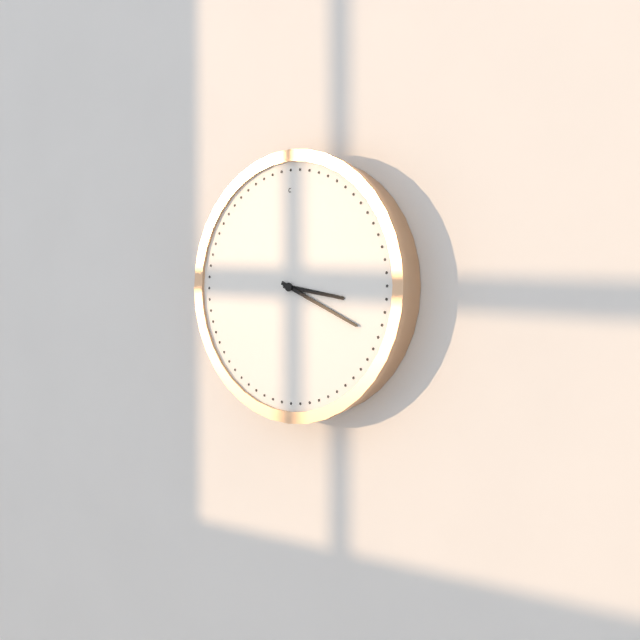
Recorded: 3 h 19 min
